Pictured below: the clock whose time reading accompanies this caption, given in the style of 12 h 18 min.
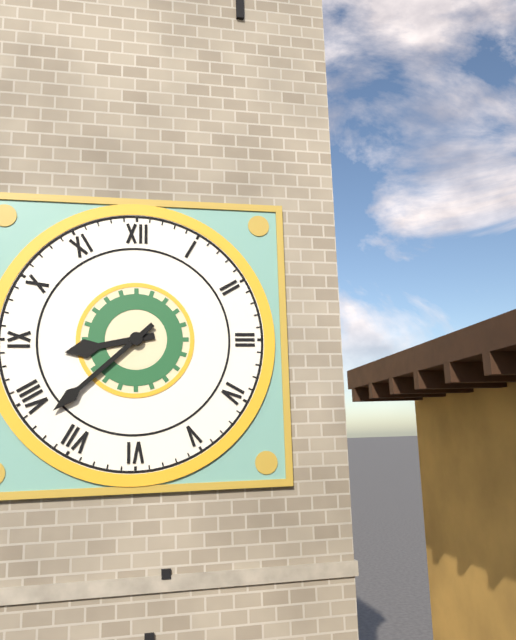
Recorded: 8 h 38 min
